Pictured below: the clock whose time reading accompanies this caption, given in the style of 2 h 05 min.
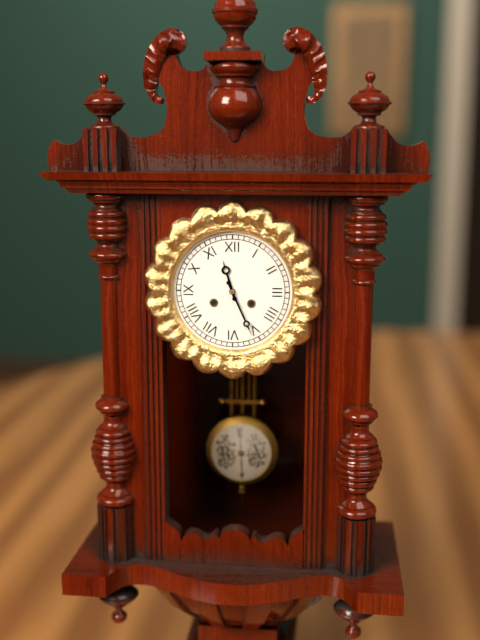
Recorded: 11 h 26 min
